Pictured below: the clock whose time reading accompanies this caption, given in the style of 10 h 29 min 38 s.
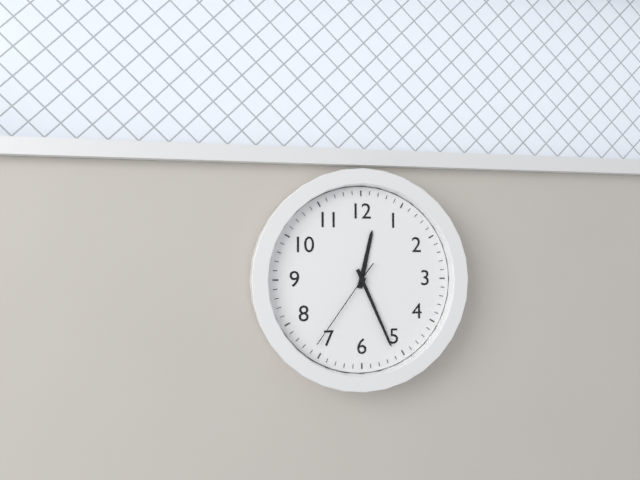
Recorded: 12 h 26 min 36 s
